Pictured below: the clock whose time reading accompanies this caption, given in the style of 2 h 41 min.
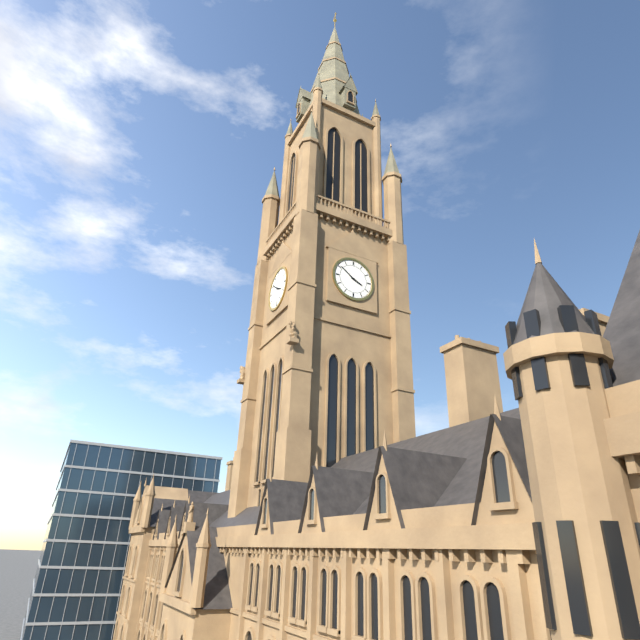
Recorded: 3 h 51 min
